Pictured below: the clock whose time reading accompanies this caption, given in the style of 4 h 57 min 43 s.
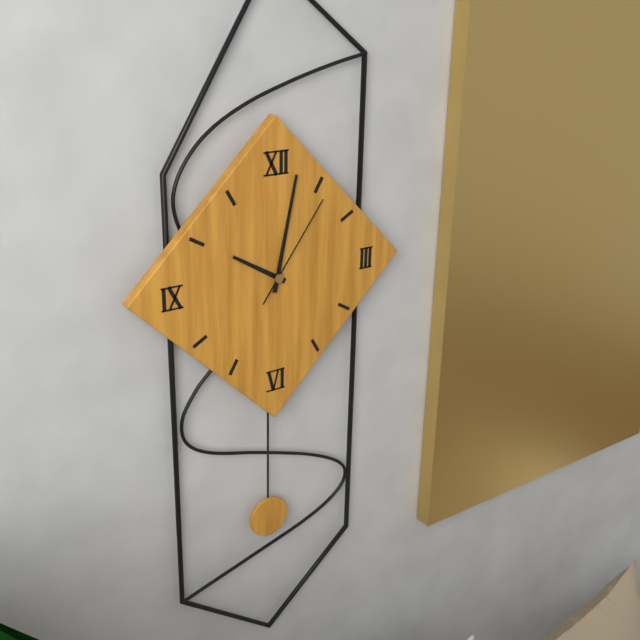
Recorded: 10 h 02 min 06 s
